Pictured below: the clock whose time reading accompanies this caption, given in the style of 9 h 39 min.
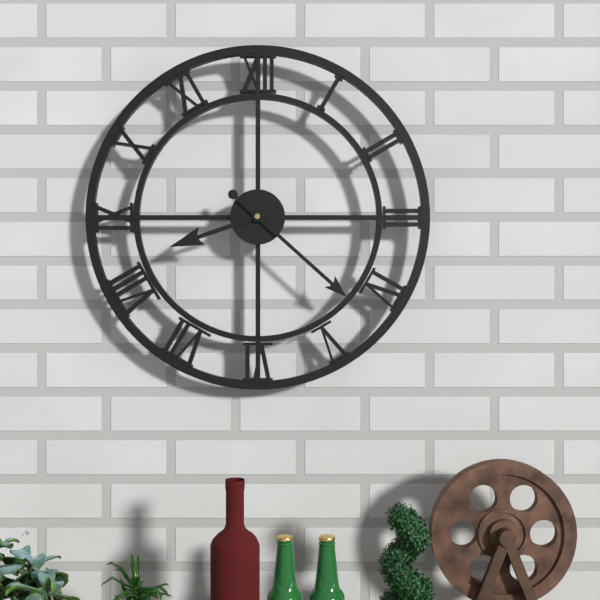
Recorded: 8 h 22 min
